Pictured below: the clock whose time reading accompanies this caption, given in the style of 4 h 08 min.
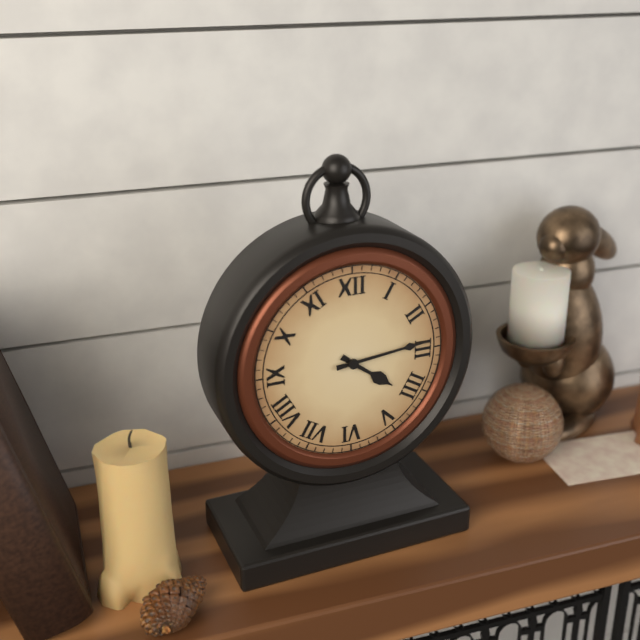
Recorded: 4 h 14 min
